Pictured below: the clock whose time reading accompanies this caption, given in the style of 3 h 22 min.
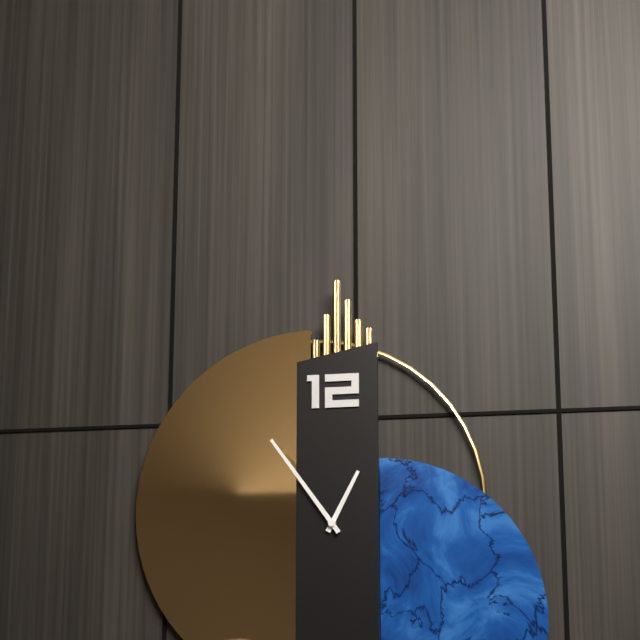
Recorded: 12 h 54 min
